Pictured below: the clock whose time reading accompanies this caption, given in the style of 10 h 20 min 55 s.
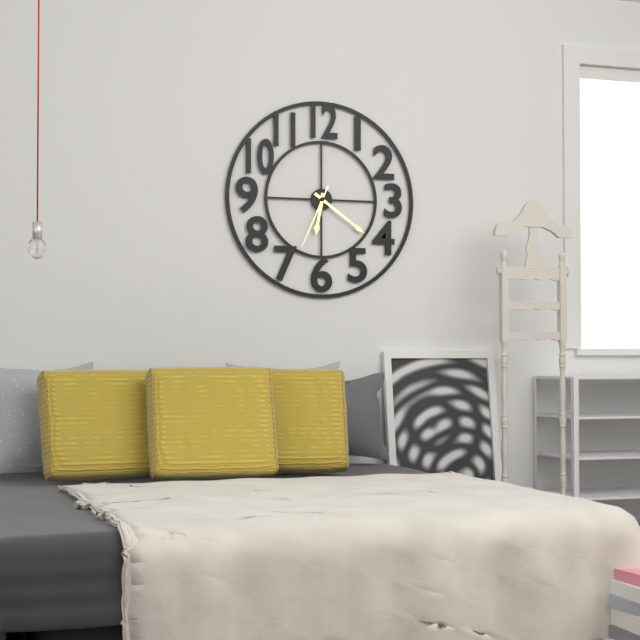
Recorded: 6 h 21 min 34 s
